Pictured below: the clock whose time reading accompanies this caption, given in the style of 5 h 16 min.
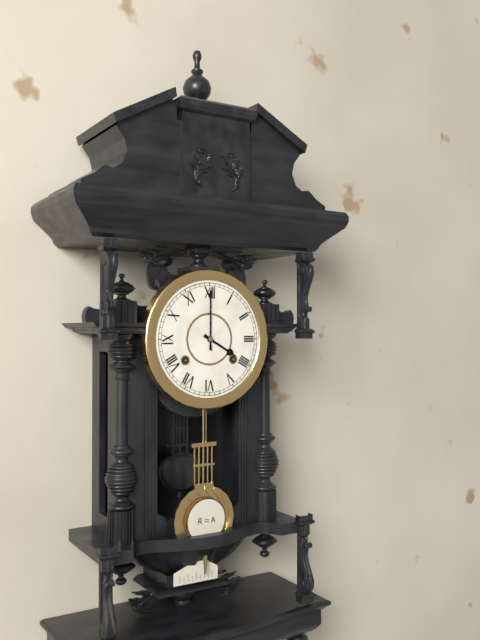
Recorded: 4 h 00 min
